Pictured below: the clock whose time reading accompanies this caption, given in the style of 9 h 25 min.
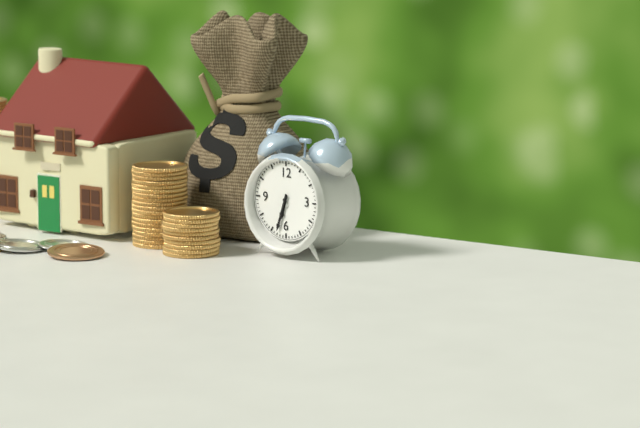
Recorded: 6 h 33 min
